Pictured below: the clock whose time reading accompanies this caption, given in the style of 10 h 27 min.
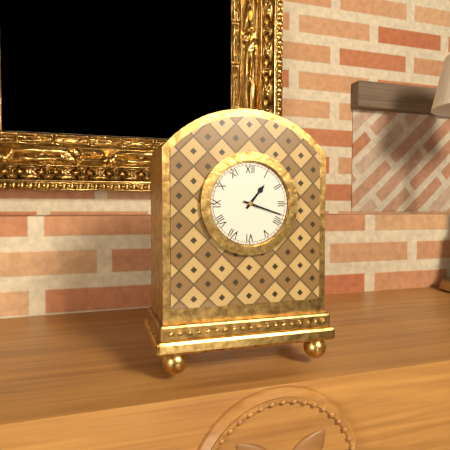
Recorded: 1 h 18 min
